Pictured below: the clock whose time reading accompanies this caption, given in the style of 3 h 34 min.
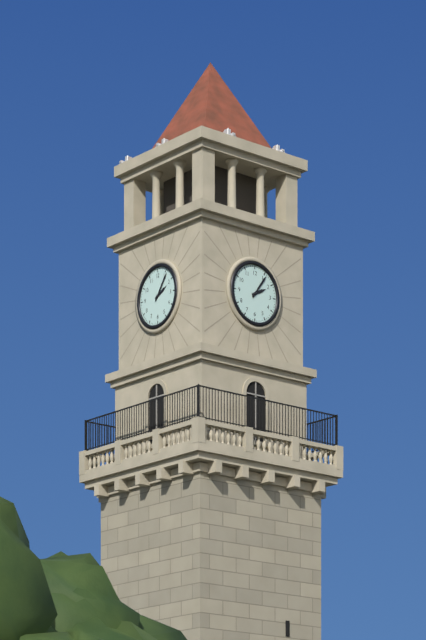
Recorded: 2 h 06 min
